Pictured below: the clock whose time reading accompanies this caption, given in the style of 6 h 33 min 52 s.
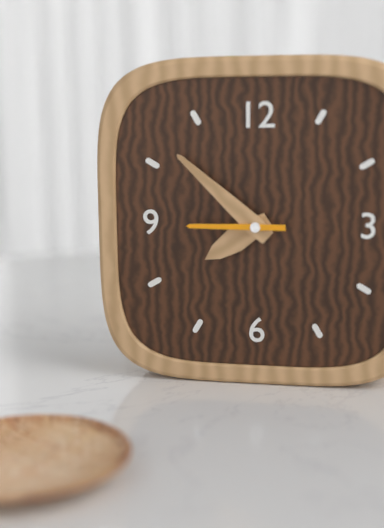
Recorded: 7 h 52 min 45 s
